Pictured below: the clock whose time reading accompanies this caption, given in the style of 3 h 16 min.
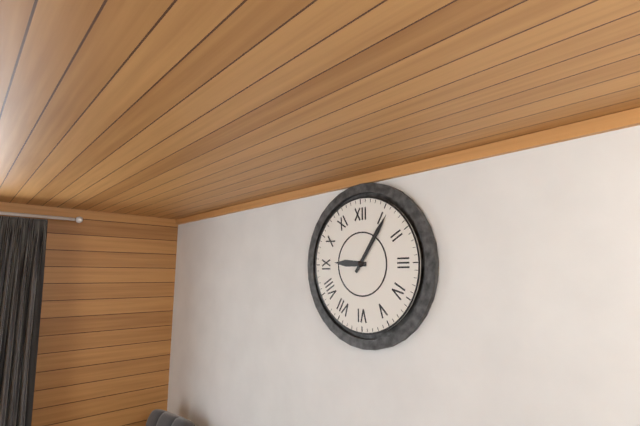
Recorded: 9 h 06 min
